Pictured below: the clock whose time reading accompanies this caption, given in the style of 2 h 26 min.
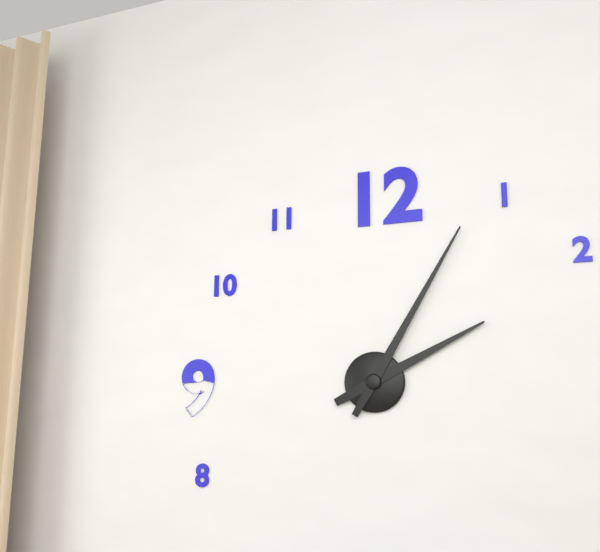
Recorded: 2 h 05 min
